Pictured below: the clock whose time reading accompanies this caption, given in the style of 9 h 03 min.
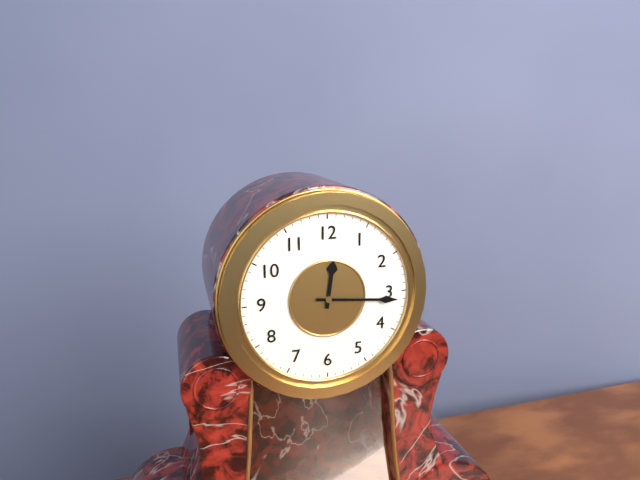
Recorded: 12 h 16 min
